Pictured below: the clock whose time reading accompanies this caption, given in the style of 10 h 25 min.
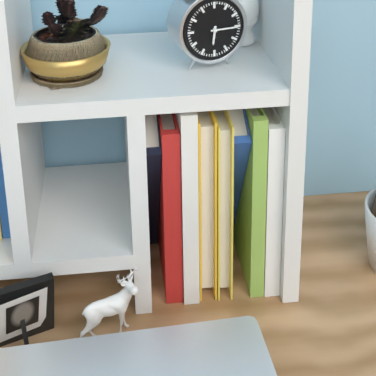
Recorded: 6 h 15 min
